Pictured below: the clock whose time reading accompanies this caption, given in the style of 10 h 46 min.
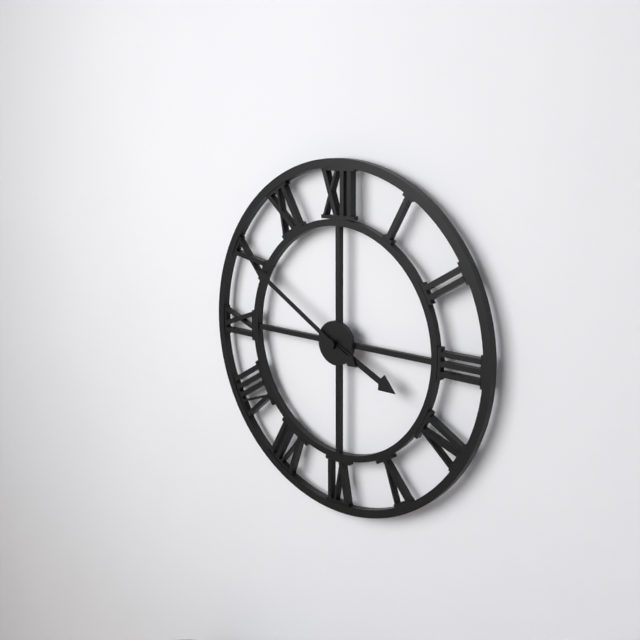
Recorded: 3 h 50 min
